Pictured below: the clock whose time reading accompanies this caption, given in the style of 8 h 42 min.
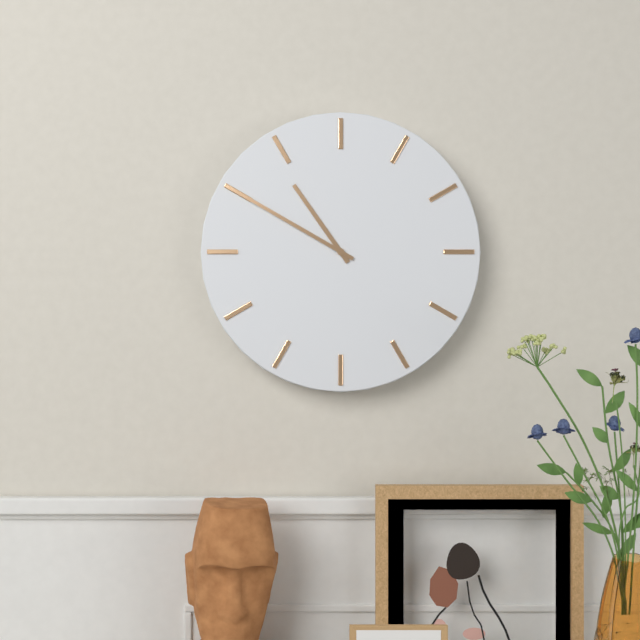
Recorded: 10 h 50 min
